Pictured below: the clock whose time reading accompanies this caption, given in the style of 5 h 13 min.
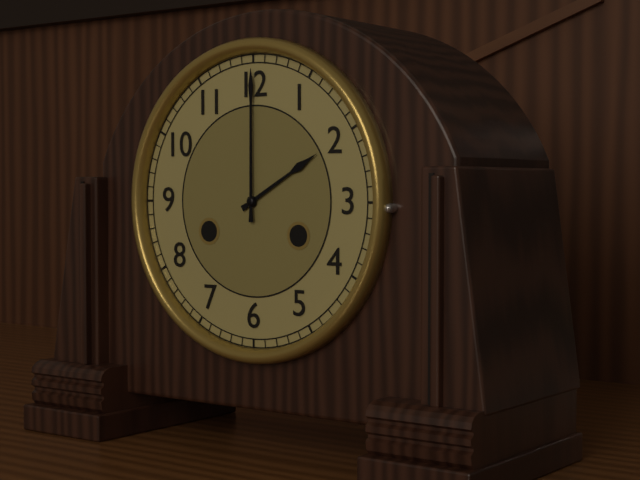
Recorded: 2 h 00 min
